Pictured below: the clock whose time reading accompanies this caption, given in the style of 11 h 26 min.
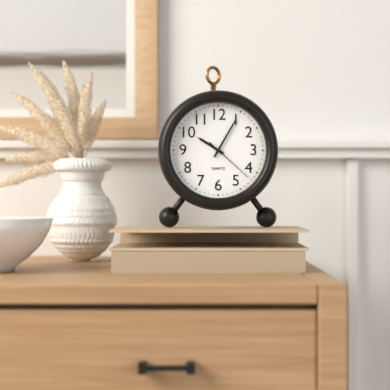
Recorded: 10 h 05 min
